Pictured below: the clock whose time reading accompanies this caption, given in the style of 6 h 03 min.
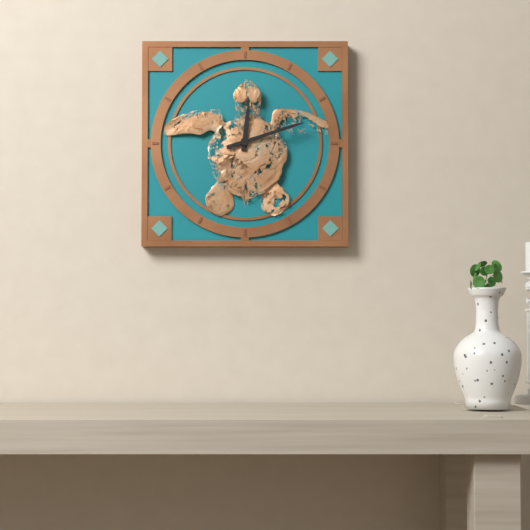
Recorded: 12 h 12 min
